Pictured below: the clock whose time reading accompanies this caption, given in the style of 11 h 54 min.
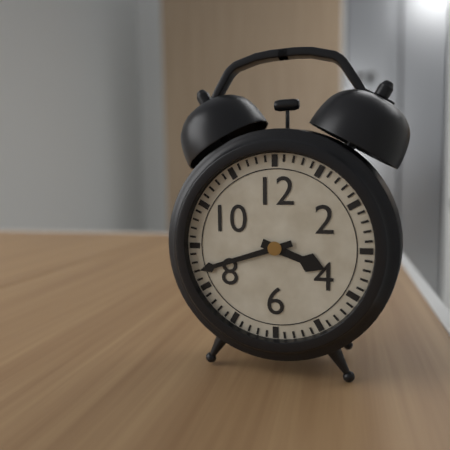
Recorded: 3 h 42 min
